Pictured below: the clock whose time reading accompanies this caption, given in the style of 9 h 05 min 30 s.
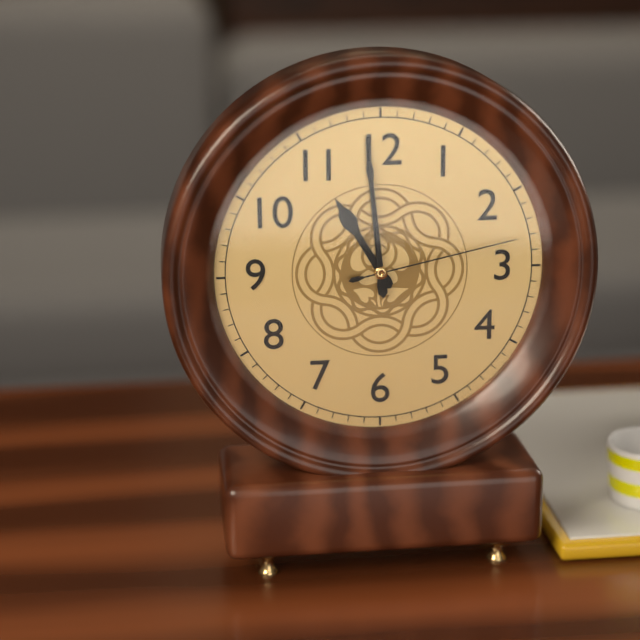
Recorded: 10 h 59 min 13 s
